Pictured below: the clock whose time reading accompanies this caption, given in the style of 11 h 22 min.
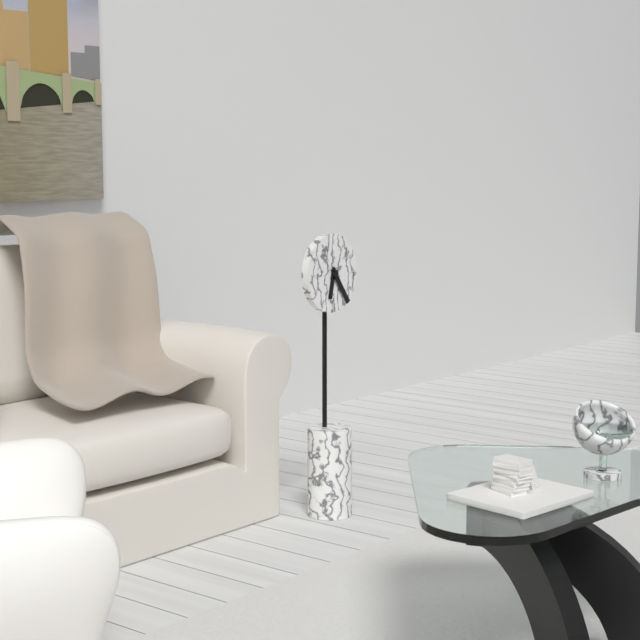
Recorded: 6 h 24 min
